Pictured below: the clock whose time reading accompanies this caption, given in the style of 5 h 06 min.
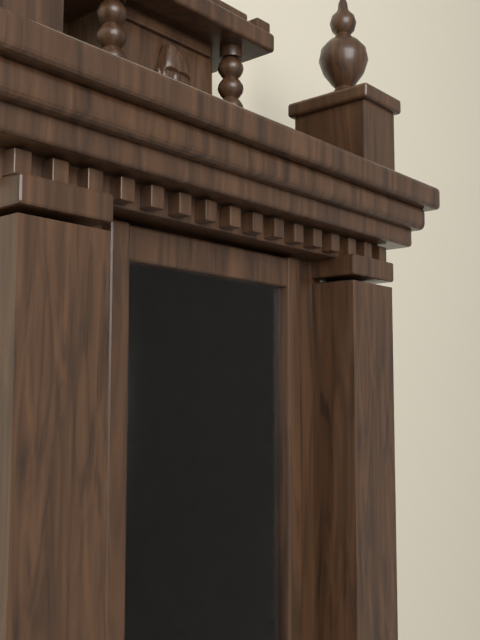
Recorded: 6 h 31 min
